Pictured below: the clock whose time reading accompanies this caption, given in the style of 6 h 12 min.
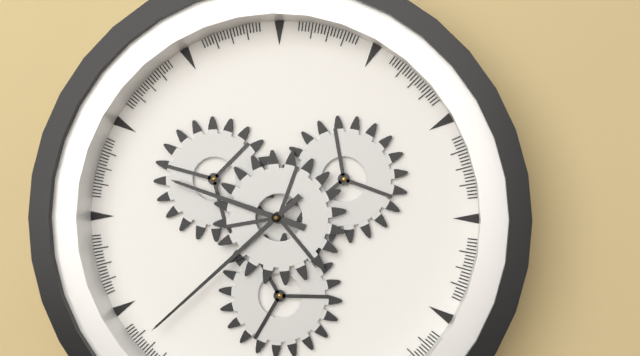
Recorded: 9 h 38 min
